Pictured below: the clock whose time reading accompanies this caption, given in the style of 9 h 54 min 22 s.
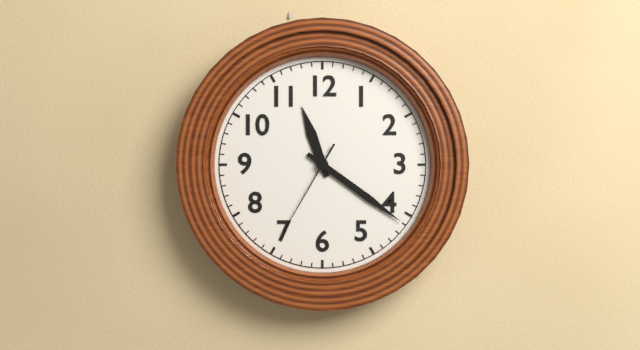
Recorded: 11 h 21 min 35 s
